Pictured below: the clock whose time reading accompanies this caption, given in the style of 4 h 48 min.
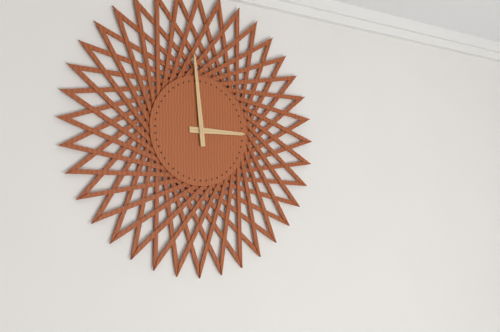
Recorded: 2 h 59 min
